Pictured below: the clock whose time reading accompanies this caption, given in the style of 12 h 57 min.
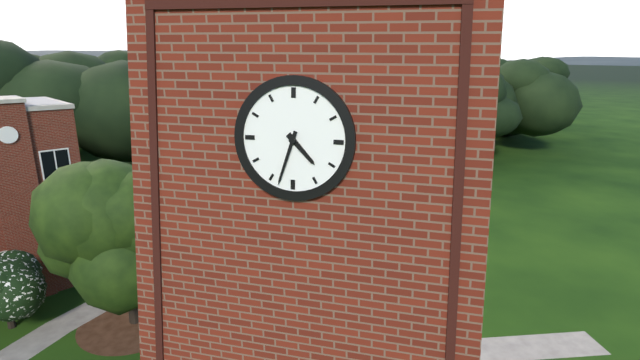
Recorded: 4 h 33 min
